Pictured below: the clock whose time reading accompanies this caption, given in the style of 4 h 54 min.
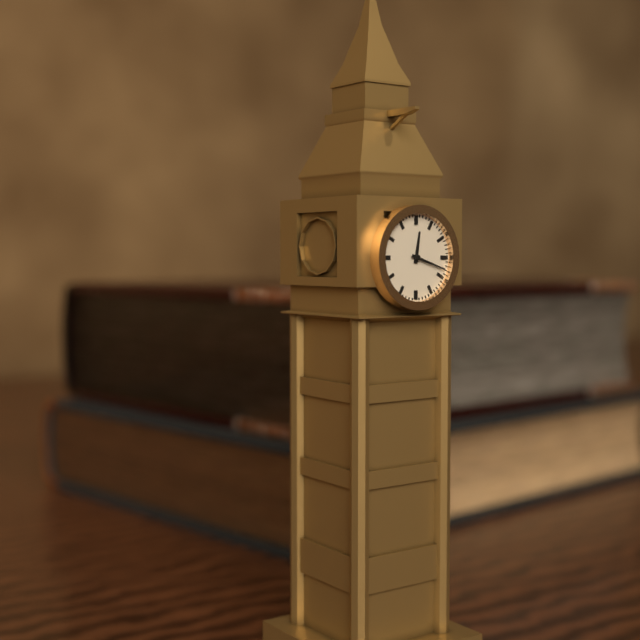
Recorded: 12 h 18 min
